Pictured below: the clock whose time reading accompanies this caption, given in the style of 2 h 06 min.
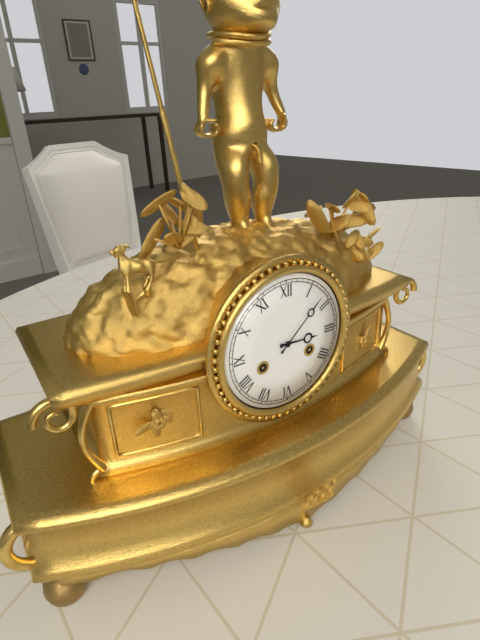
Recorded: 3 h 08 min
